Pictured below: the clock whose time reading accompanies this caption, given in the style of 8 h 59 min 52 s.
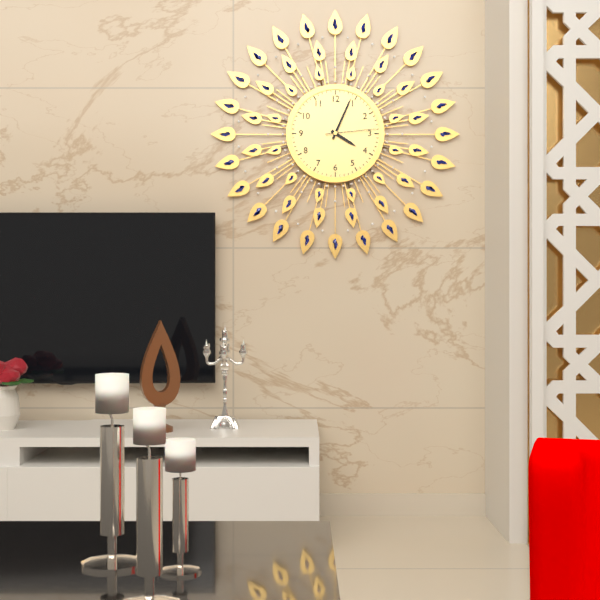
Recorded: 4 h 04 min 14 s
